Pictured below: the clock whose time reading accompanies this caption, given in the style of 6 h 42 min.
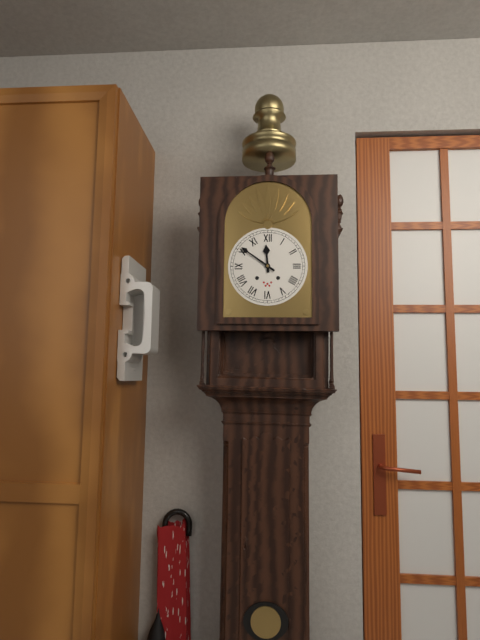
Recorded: 11 h 51 min
